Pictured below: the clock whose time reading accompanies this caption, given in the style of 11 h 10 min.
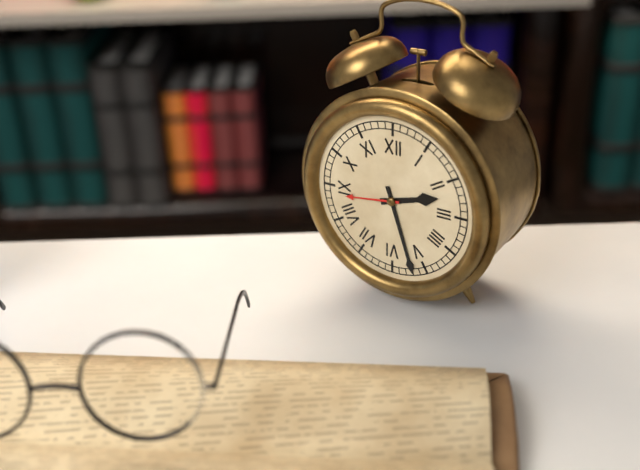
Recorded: 2 h 27 min
